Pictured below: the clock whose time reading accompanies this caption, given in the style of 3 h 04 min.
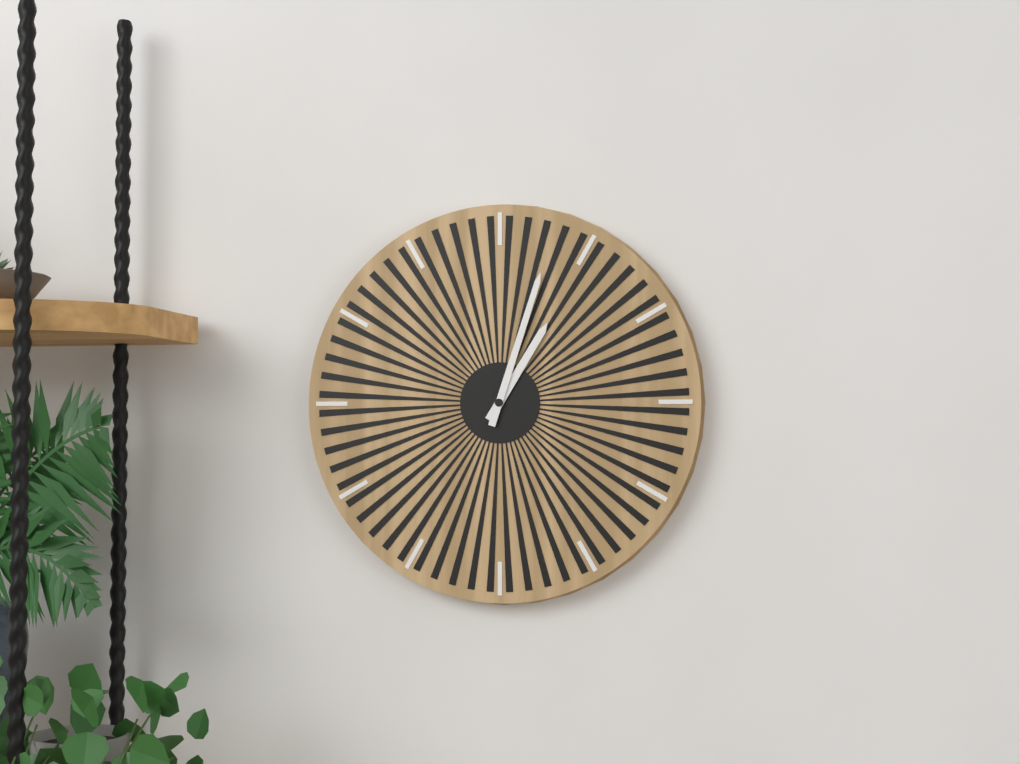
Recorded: 1 h 03 min
